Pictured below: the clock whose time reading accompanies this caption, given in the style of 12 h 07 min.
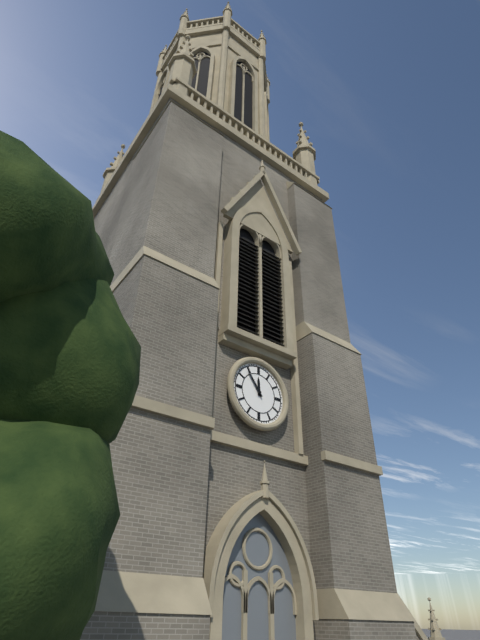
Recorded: 11 h 54 min
